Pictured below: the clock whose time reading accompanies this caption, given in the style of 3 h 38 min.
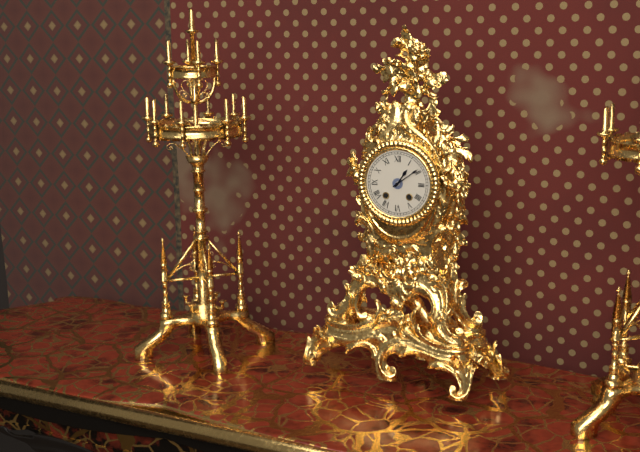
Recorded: 1 h 09 min
